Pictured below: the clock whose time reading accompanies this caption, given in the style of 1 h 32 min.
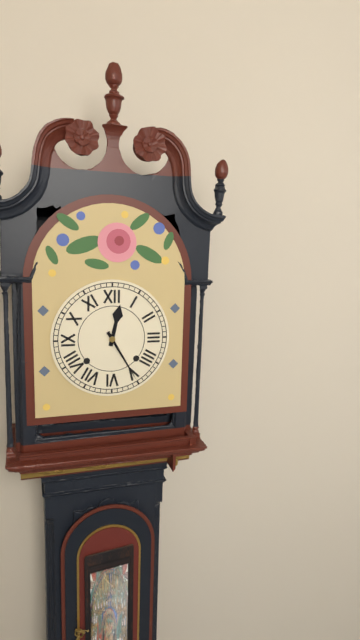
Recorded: 12 h 25 min
